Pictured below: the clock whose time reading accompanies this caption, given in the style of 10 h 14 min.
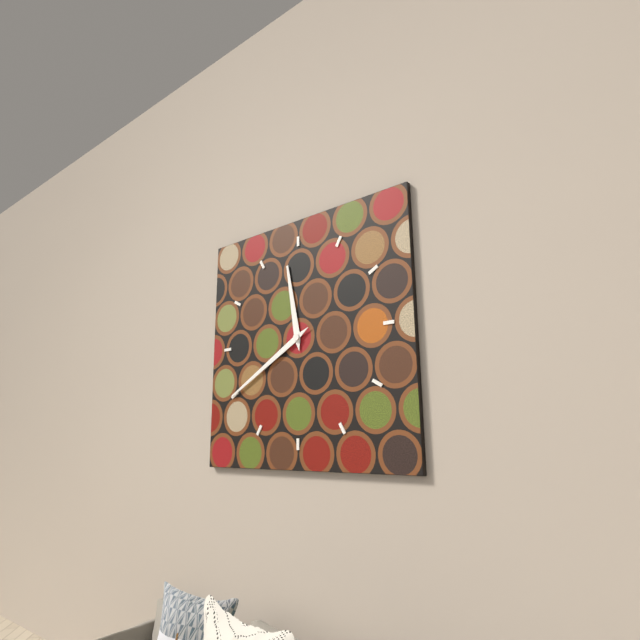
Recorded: 11 h 40 min
